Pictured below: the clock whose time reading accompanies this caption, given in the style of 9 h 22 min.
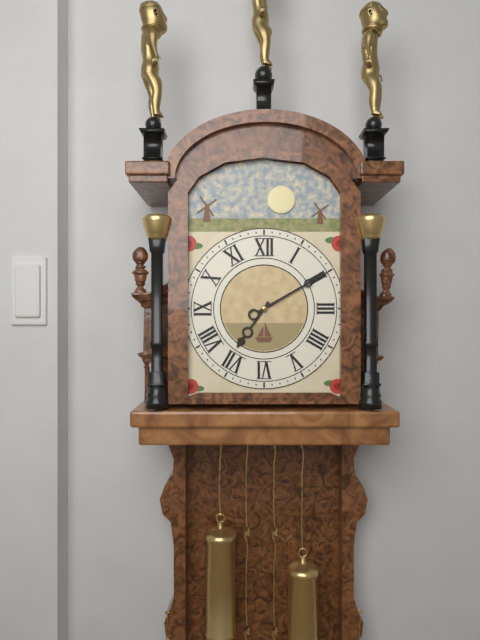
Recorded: 7 h 10 min
